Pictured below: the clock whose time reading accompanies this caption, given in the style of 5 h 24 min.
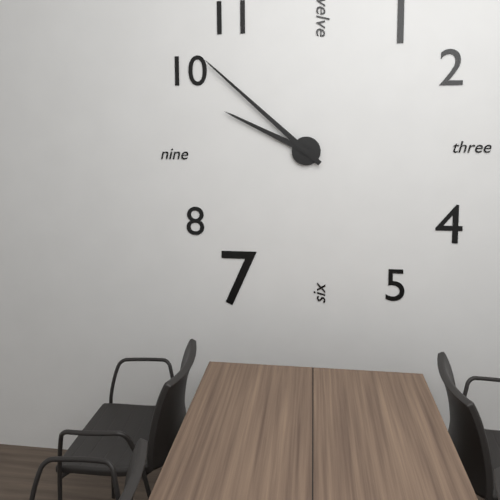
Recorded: 9 h 52 min
